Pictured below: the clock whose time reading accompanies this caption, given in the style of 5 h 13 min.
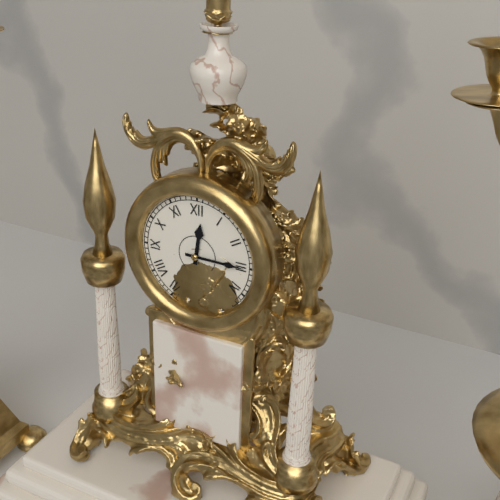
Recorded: 12 h 15 min
